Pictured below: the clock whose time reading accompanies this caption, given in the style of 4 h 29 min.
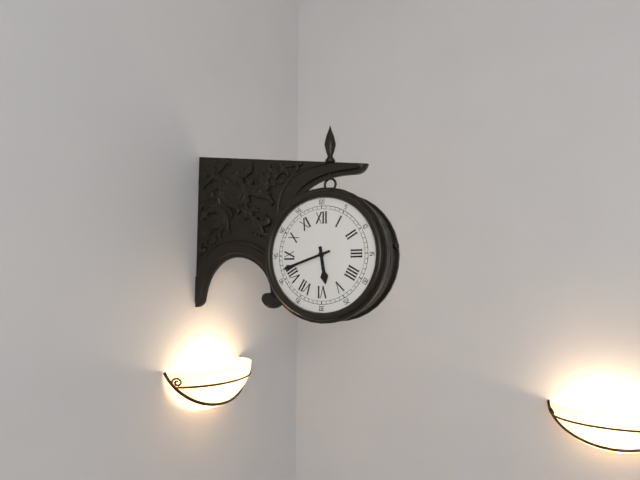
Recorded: 5 h 42 min
